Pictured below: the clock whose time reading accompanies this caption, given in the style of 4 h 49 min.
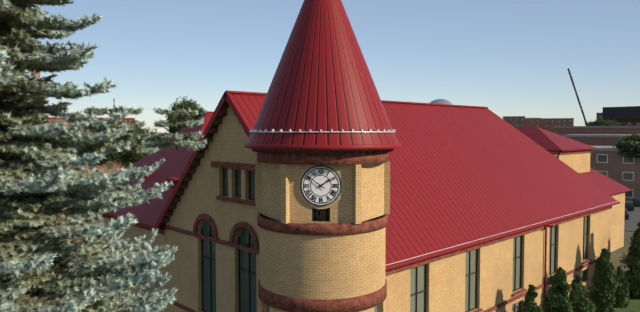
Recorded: 1 h 51 min
